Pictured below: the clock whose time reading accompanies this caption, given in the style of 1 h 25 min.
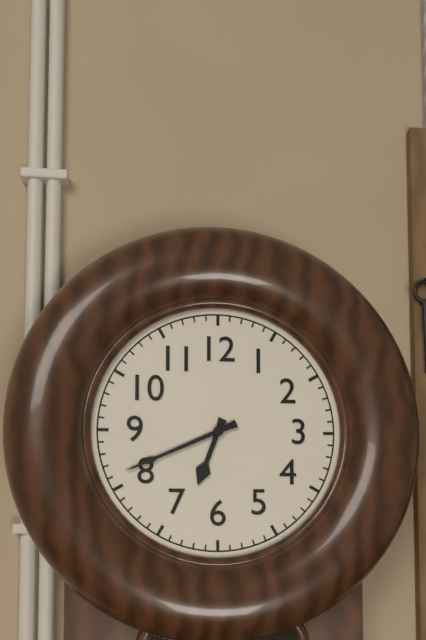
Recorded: 6 h 41 min
